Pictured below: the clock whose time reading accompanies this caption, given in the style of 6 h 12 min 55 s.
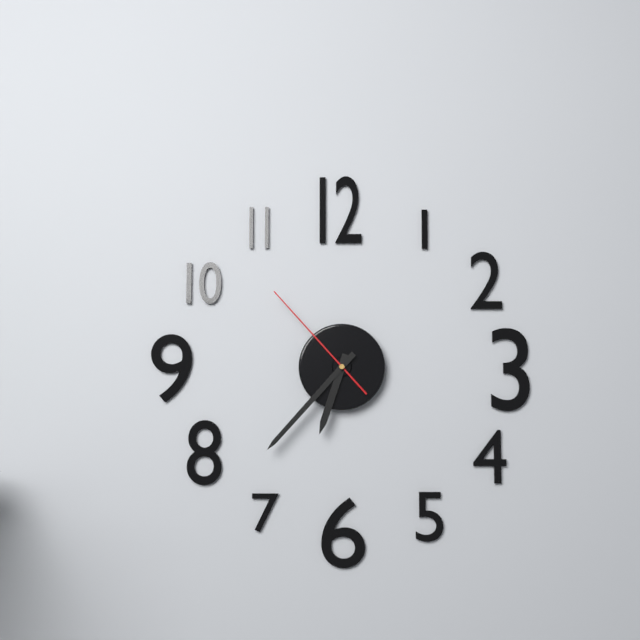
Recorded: 6 h 37 min 53 s
